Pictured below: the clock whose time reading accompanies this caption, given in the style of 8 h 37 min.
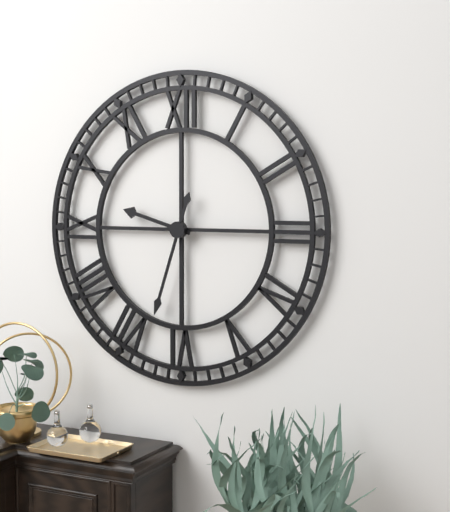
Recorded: 9 h 33 min
